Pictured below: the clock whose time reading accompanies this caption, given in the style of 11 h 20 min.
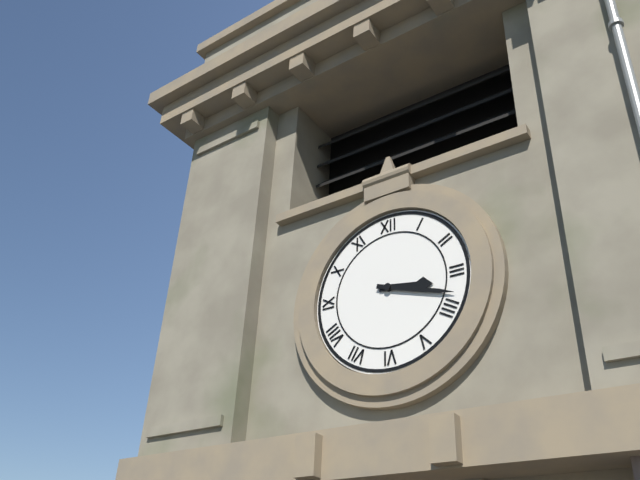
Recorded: 3 h 18 min
